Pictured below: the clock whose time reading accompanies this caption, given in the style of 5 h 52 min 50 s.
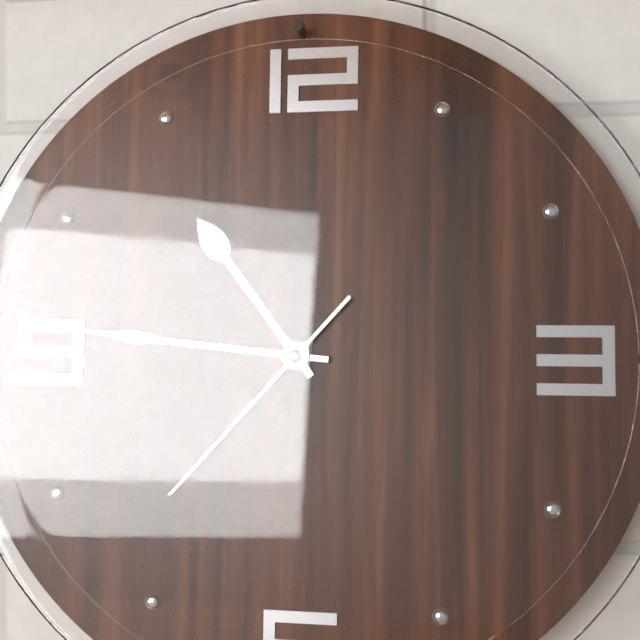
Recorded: 10 h 46 min 37 s
